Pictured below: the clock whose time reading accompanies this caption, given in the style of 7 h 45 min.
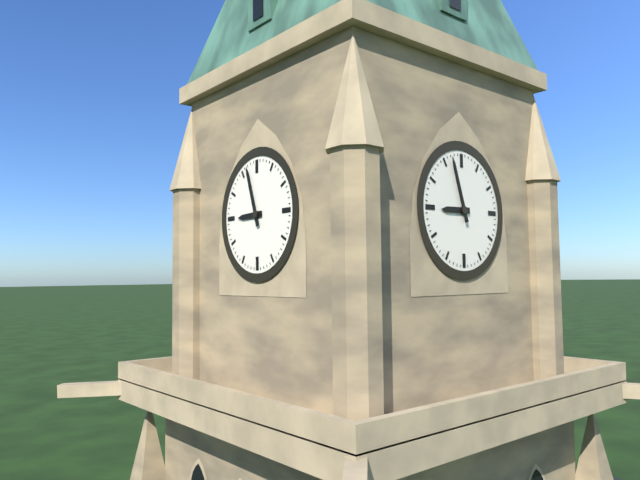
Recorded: 8 h 57 min
